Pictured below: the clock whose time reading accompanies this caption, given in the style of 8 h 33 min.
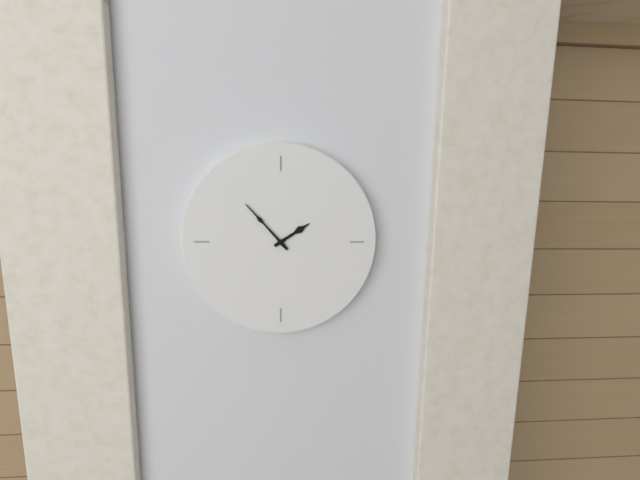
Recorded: 1 h 53 min
